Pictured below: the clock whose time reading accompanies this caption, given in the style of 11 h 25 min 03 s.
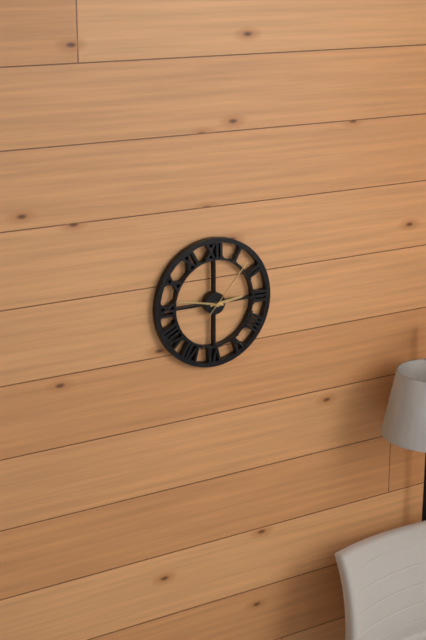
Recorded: 2 h 47 min 07 s
